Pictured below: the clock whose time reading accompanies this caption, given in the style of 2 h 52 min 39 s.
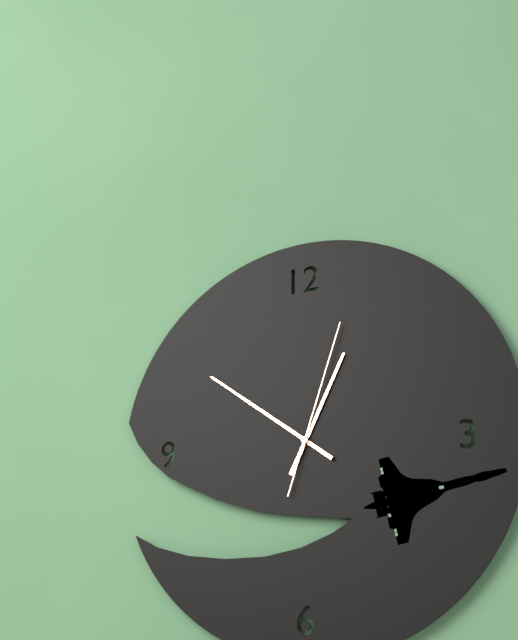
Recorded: 12 h 51 min 03 s
